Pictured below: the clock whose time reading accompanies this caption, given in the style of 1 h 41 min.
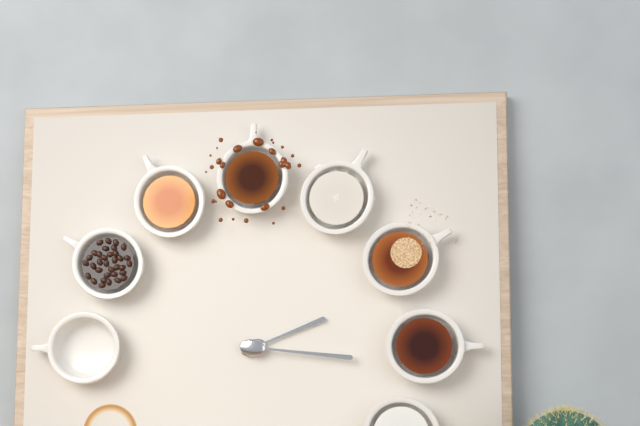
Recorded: 2 h 16 min
